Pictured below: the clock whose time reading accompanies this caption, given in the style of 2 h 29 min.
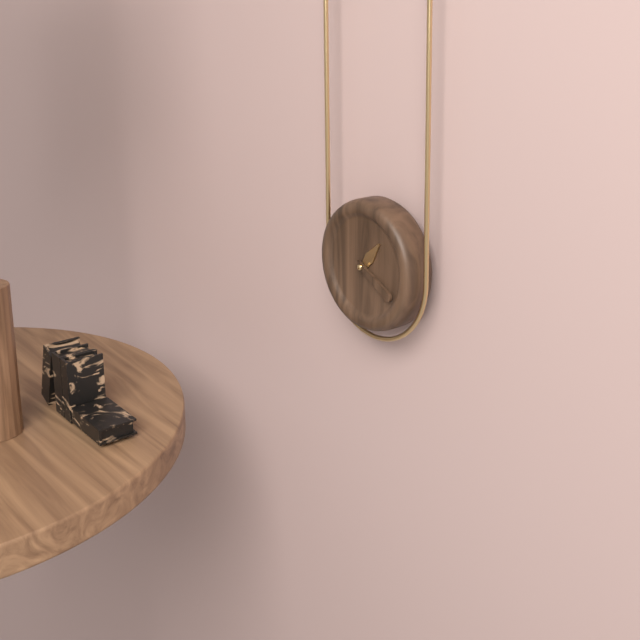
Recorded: 1 h 20 min
